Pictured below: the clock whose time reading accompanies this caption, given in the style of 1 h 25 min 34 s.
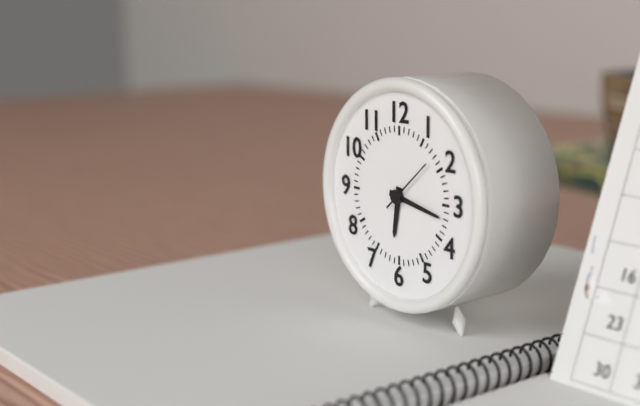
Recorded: 6 h 17 min 08 s
